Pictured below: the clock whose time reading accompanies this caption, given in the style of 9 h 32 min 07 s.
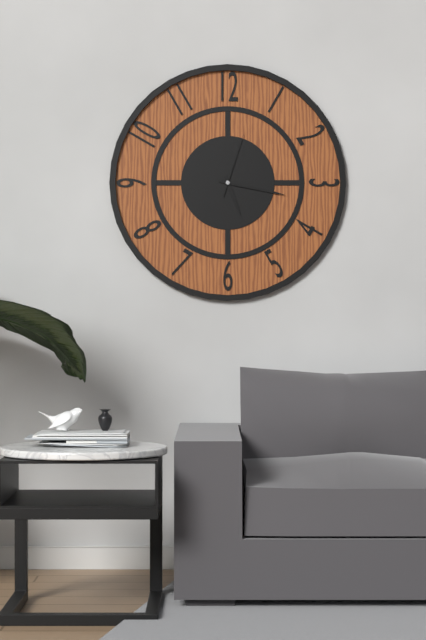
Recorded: 5 h 17 min 03 s
